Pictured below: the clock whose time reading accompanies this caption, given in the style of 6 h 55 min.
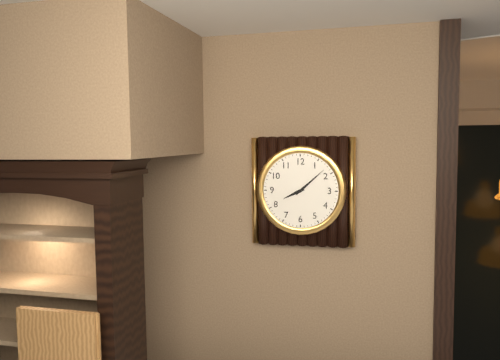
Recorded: 8 h 08 min
